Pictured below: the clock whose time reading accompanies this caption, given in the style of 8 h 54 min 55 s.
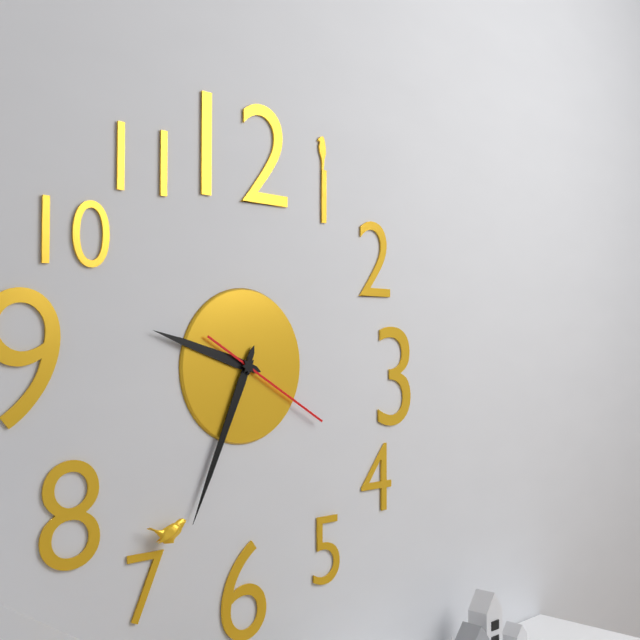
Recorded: 9 h 34 min 20 s
